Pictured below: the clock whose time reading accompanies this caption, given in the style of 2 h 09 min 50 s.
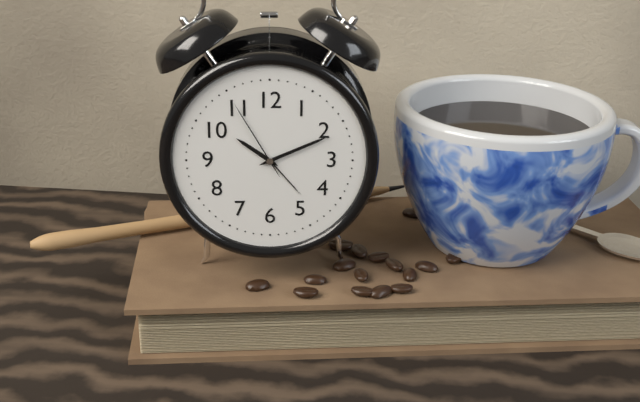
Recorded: 10 h 11 min 55 s
